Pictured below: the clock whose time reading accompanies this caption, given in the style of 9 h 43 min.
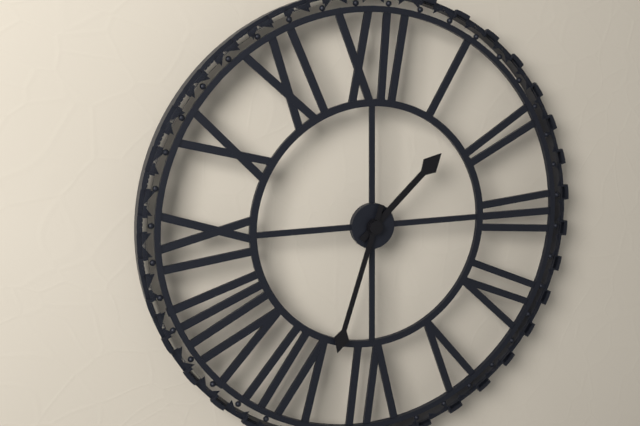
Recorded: 1 h 33 min
